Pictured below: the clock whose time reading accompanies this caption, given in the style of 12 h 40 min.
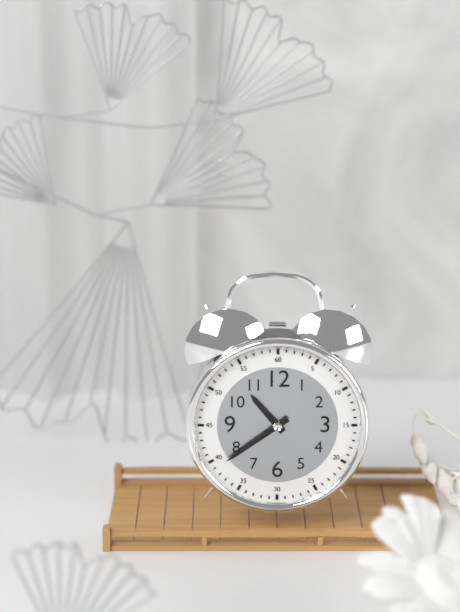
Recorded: 10 h 39 min
